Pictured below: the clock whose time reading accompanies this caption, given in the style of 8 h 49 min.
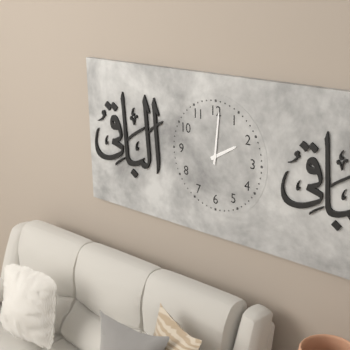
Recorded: 2 h 01 min
